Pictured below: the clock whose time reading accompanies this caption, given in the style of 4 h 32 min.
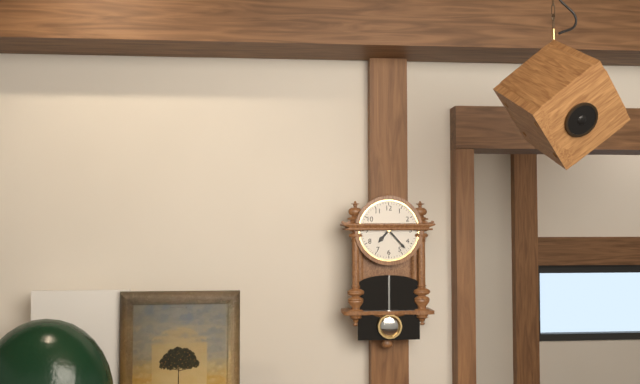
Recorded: 7 h 23 min
